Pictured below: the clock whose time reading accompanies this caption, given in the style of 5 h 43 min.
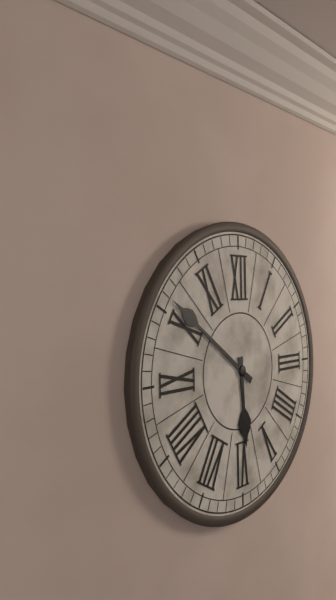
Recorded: 5 h 51 min
